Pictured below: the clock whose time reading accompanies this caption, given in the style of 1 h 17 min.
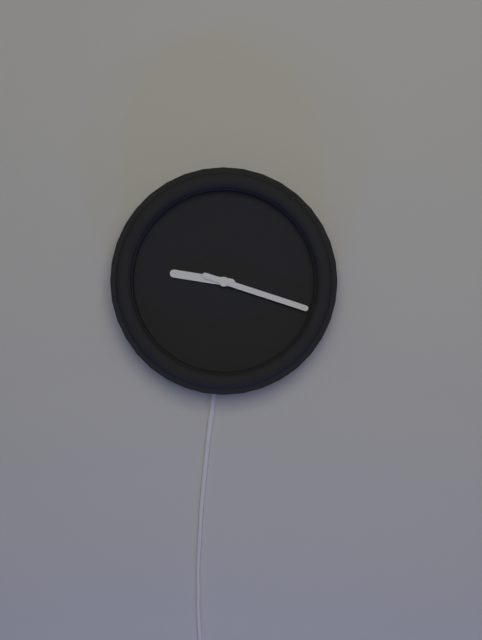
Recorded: 9 h 18 min
